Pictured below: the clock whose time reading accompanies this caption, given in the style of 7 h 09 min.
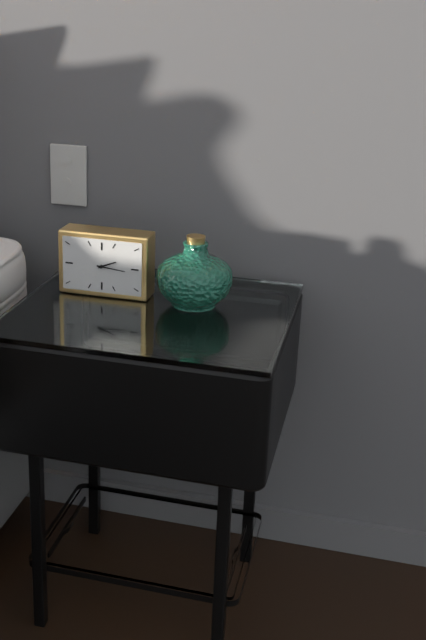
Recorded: 2 h 16 min
